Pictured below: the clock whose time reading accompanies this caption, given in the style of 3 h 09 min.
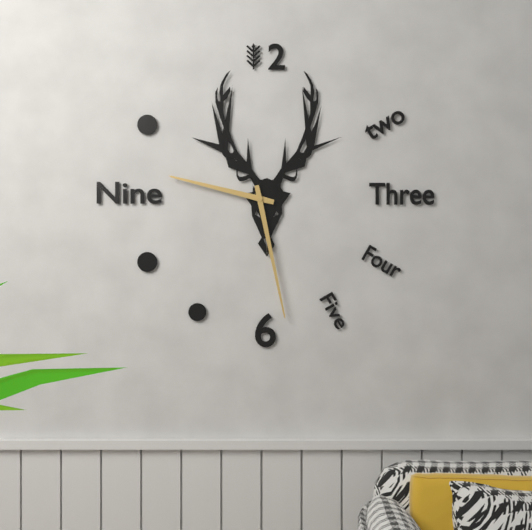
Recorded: 9 h 28 min
